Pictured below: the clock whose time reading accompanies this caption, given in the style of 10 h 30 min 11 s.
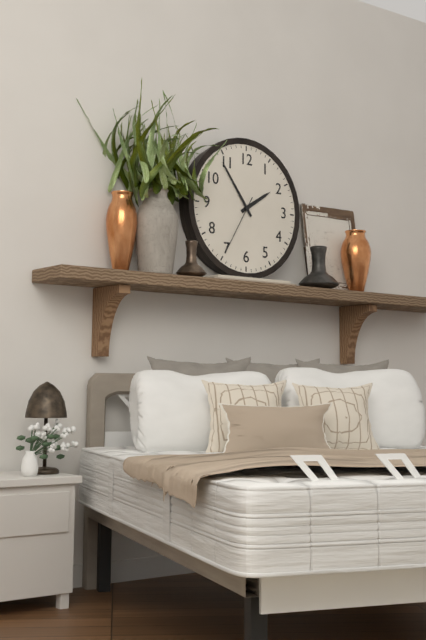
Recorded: 1 h 54 min 35 s
